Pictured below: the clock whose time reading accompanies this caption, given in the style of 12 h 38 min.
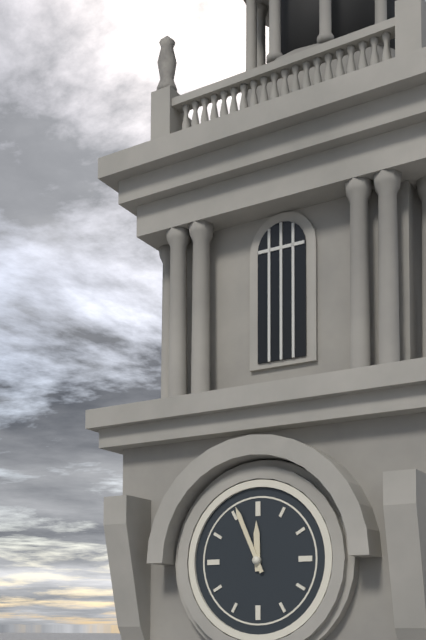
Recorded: 11 h 56 min
